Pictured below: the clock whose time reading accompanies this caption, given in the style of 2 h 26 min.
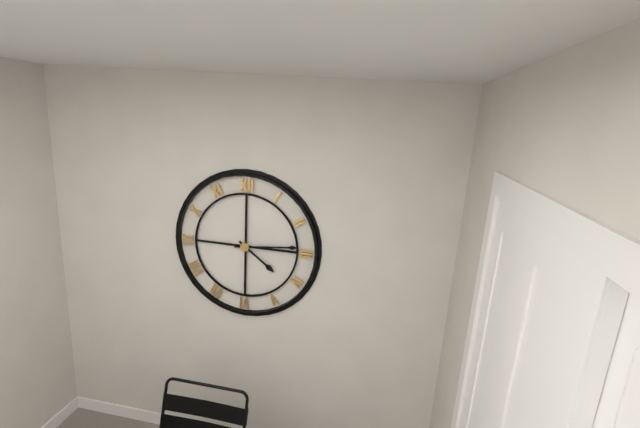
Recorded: 4 h 14 min
